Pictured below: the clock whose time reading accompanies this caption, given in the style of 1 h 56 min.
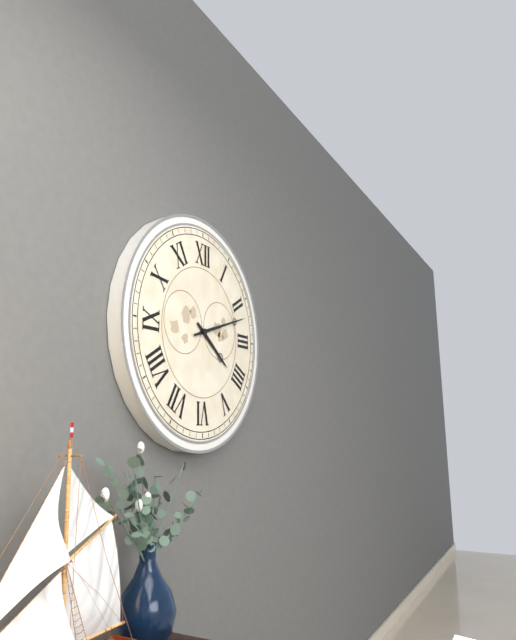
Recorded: 4 h 12 min
